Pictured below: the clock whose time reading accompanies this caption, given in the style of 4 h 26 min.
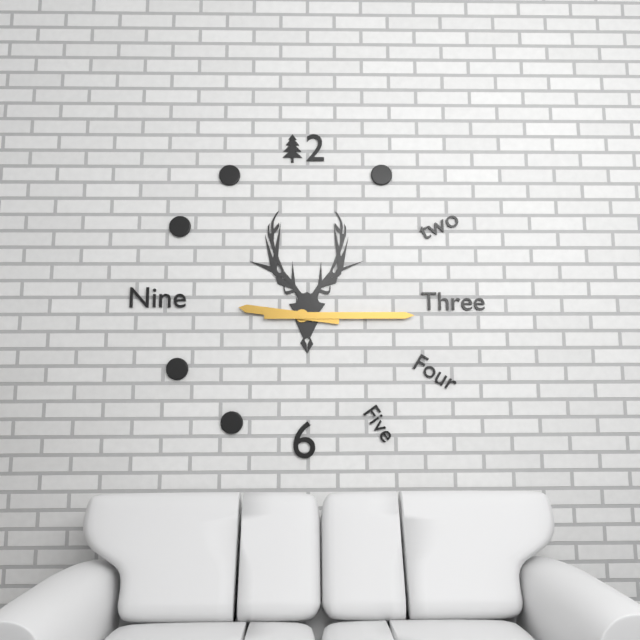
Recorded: 9 h 15 min
